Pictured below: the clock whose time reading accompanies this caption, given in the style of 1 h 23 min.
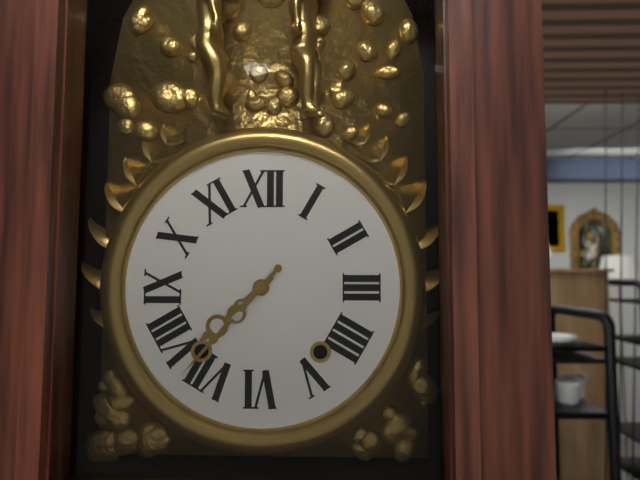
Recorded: 7 h 37 min
